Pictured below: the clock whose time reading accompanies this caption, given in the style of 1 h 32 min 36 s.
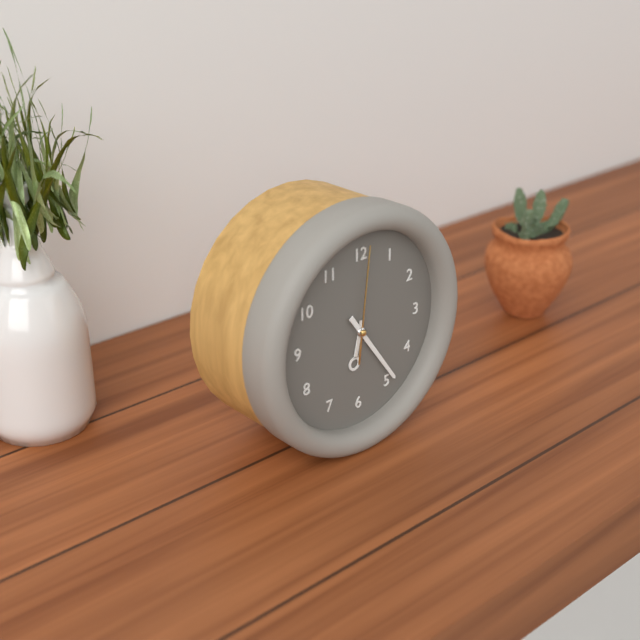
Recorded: 6 h 24 min 01 s
